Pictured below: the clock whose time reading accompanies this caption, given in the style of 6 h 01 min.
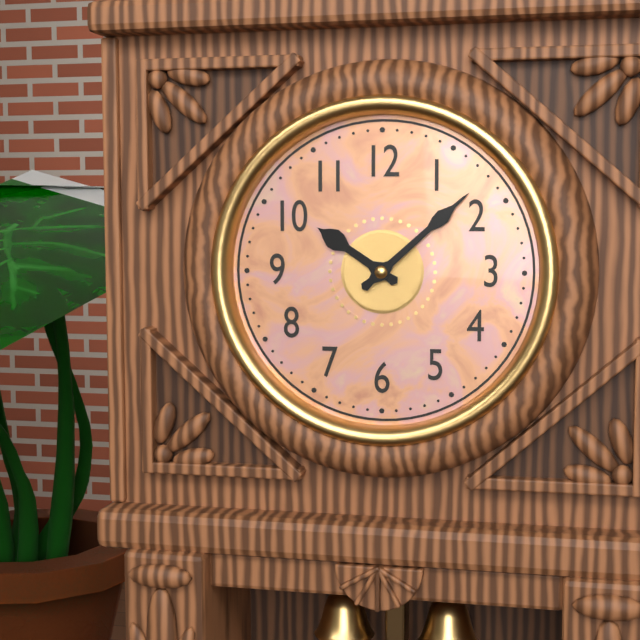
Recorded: 10 h 08 min
